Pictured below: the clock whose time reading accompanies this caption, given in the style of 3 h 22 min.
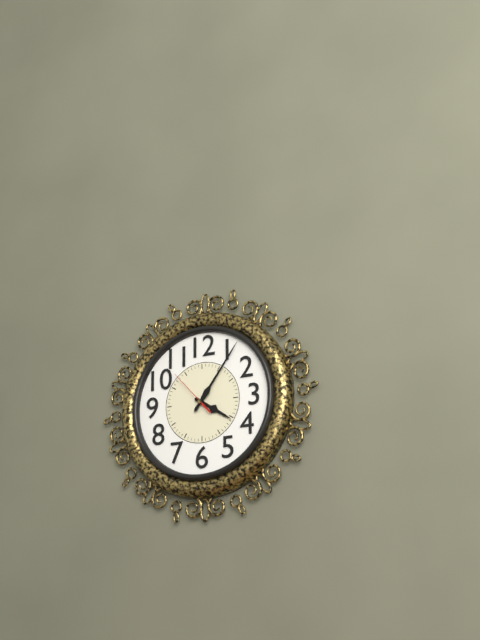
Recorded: 4 h 06 min
